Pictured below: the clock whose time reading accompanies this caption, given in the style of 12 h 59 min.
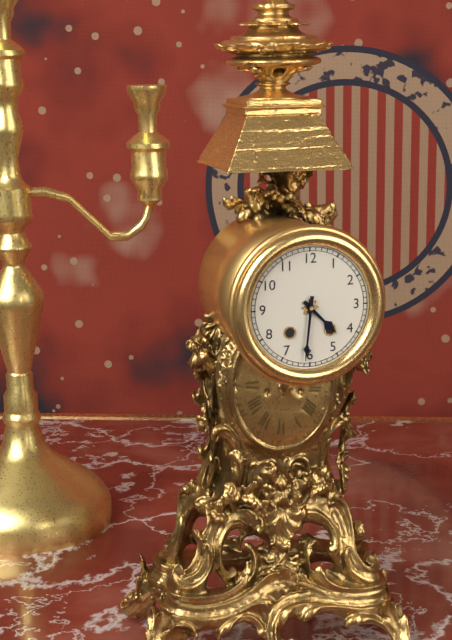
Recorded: 4 h 31 min
